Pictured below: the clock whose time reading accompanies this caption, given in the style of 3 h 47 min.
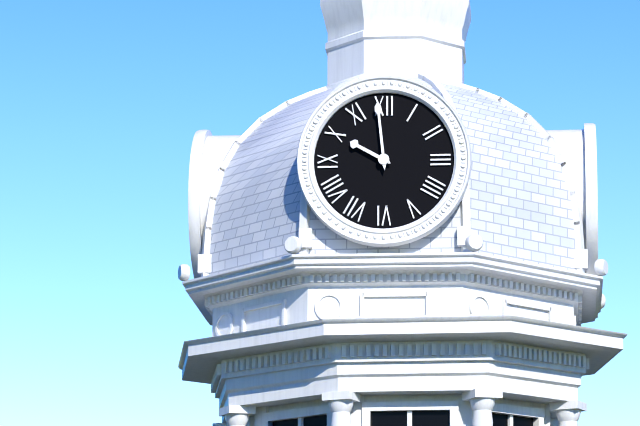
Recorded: 9 h 59 min
